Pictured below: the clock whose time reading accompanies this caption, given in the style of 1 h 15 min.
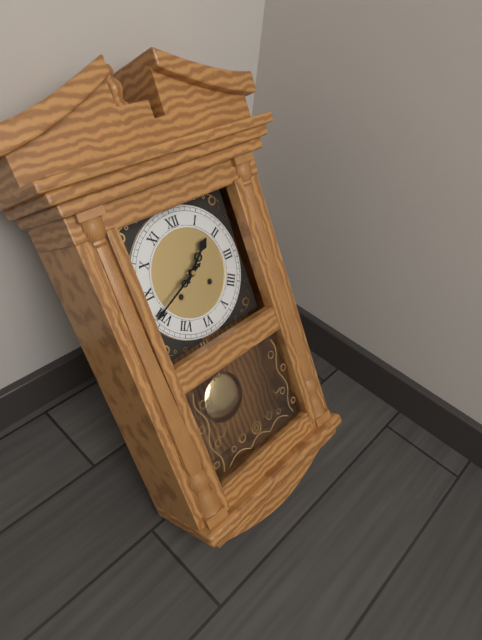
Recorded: 1 h 41 min
